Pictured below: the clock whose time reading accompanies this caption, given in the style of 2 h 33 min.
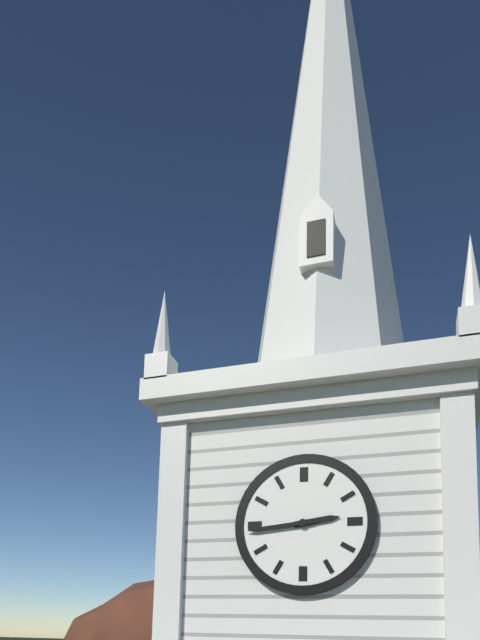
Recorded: 2 h 44 min
